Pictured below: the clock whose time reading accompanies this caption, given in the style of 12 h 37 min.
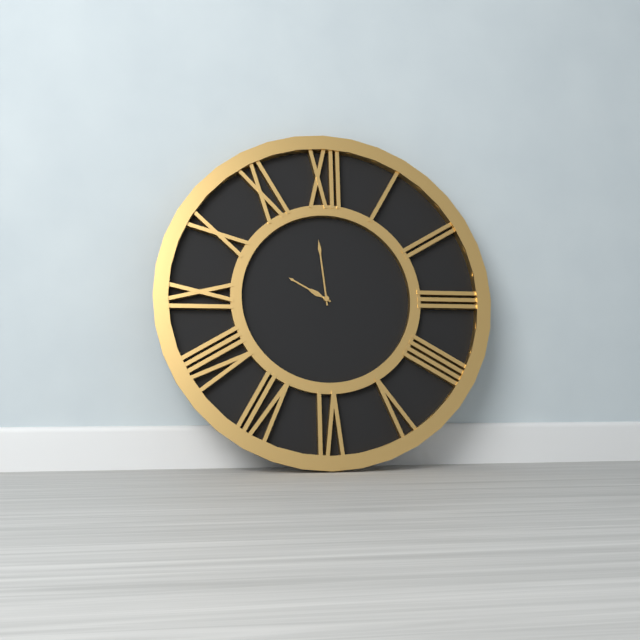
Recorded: 9 h 59 min
